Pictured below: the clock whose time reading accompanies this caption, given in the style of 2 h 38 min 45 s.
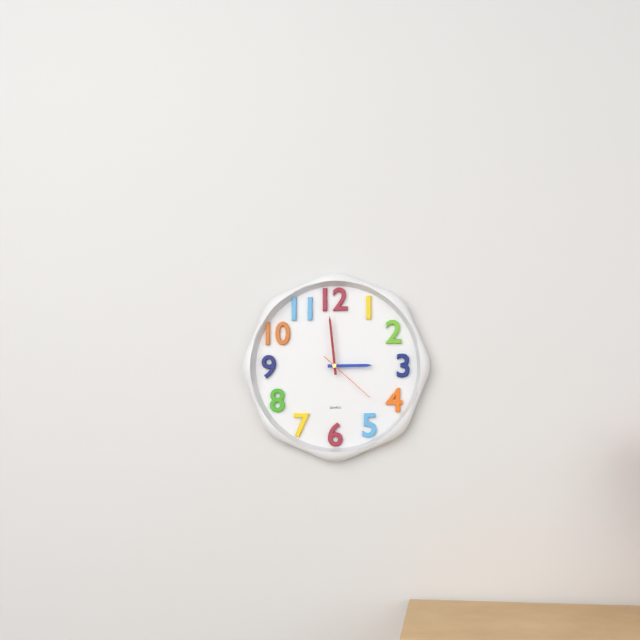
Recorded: 2 h 59 min 22 s
